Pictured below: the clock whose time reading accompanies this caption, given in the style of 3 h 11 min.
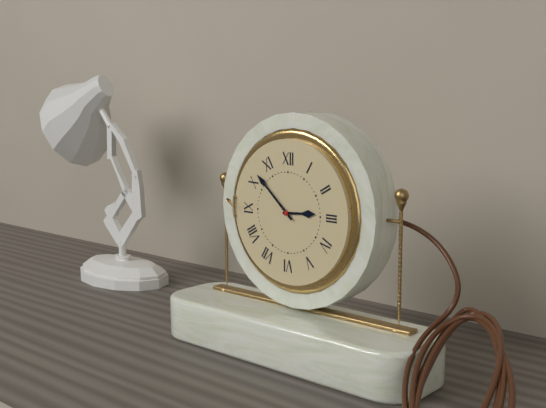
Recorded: 2 h 52 min
